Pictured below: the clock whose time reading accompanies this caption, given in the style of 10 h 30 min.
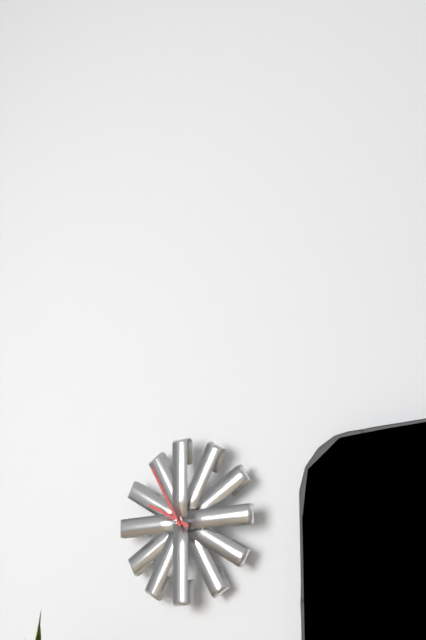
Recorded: 9 h 55 min
